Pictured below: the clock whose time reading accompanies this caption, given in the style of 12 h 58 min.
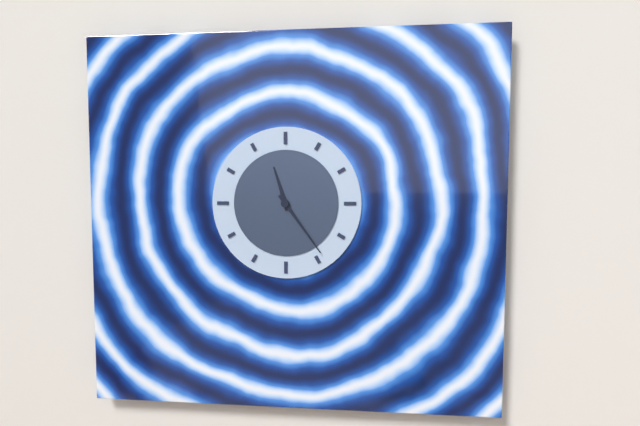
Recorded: 11 h 24 min
